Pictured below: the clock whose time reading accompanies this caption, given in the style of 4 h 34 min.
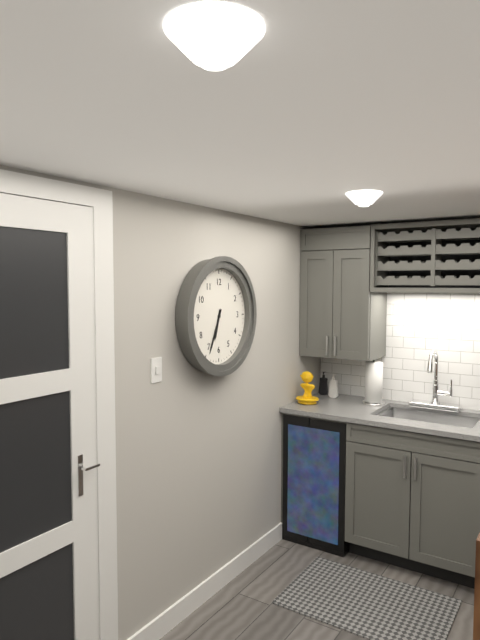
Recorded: 6 h 34 min
